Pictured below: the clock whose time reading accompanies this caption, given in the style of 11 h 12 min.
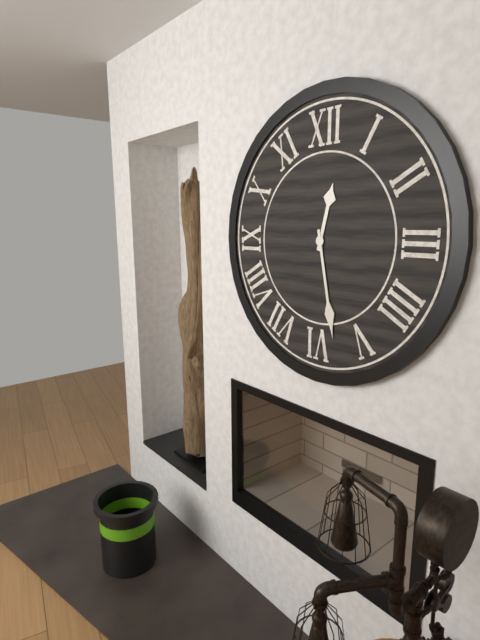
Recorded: 12 h 28 min
